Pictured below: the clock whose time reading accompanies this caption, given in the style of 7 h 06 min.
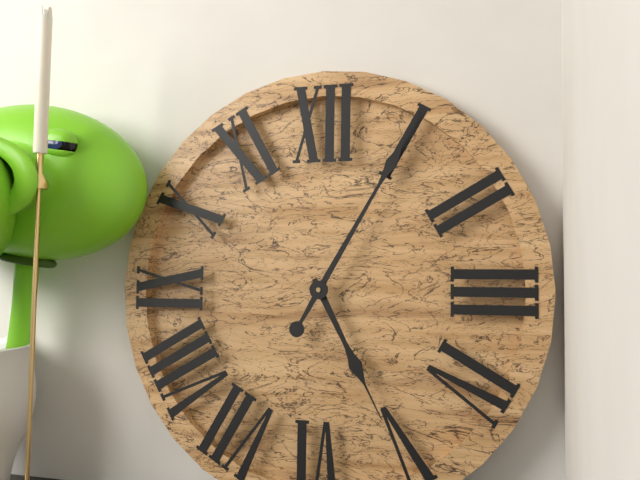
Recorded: 5 h 05 min
